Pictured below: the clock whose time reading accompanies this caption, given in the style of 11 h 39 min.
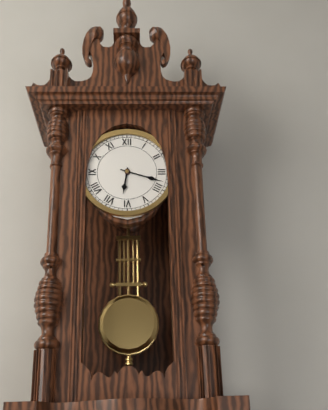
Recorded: 6 h 18 min
